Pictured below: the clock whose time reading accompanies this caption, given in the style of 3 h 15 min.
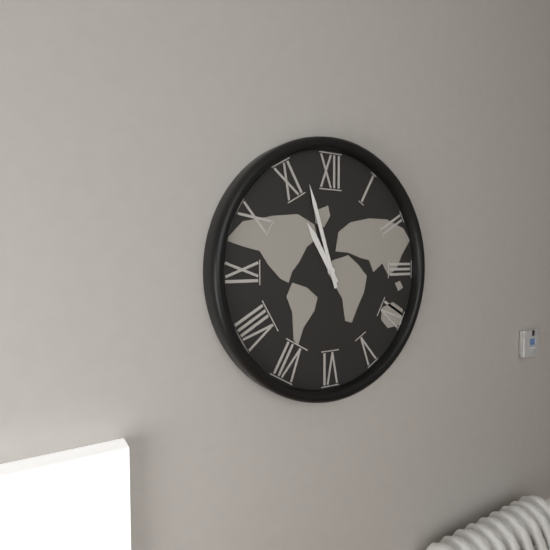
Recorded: 10 h 57 min
